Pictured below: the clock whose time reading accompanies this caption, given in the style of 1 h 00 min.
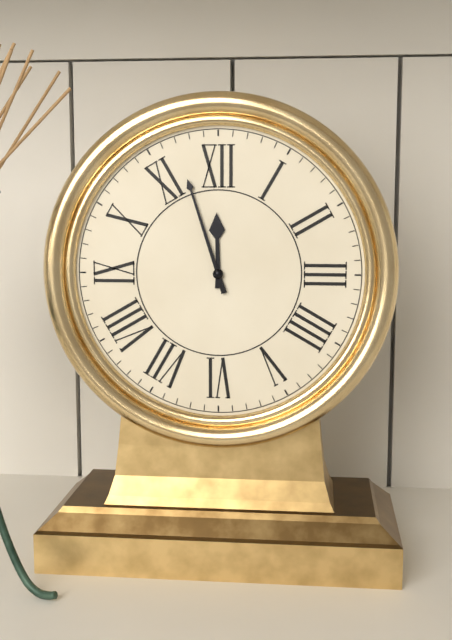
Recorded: 11 h 57 min
